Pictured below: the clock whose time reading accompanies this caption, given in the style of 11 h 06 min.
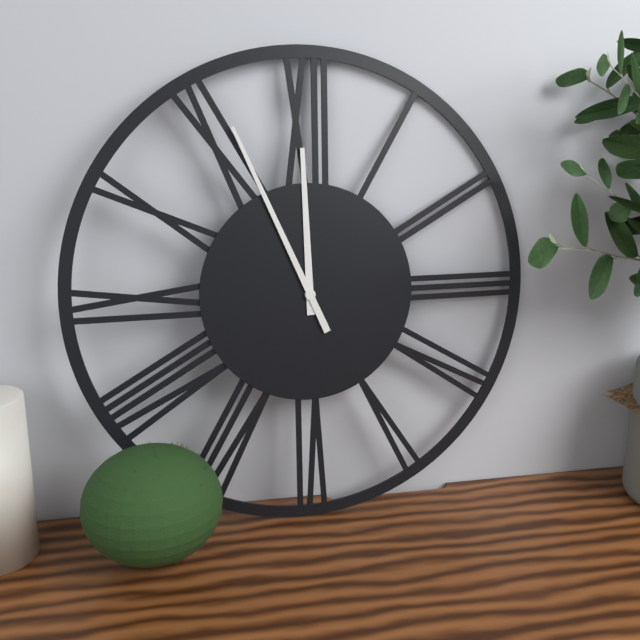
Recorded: 11 h 56 min
